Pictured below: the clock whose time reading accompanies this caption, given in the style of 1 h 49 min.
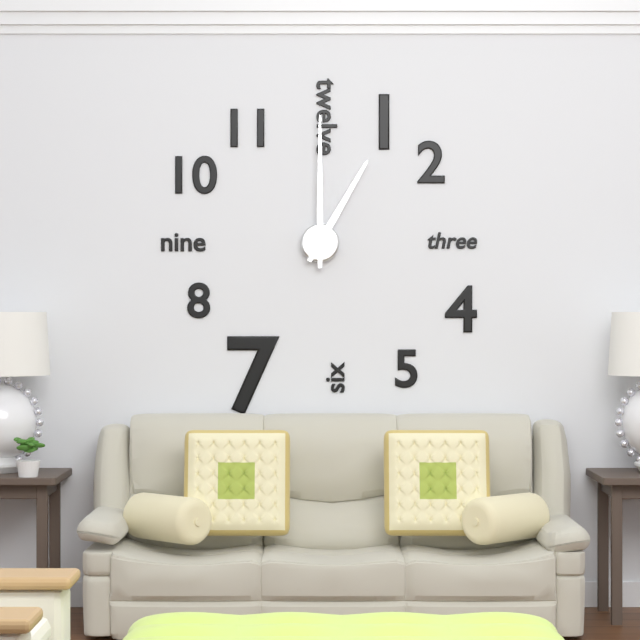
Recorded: 1 h 00 min
